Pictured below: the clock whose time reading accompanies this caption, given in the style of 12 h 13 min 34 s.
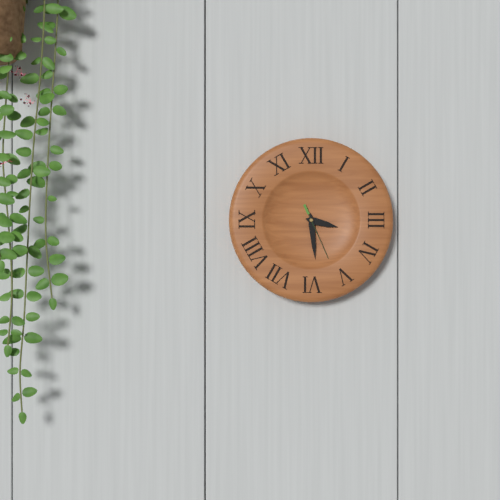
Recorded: 3 h 29 min 26 s
